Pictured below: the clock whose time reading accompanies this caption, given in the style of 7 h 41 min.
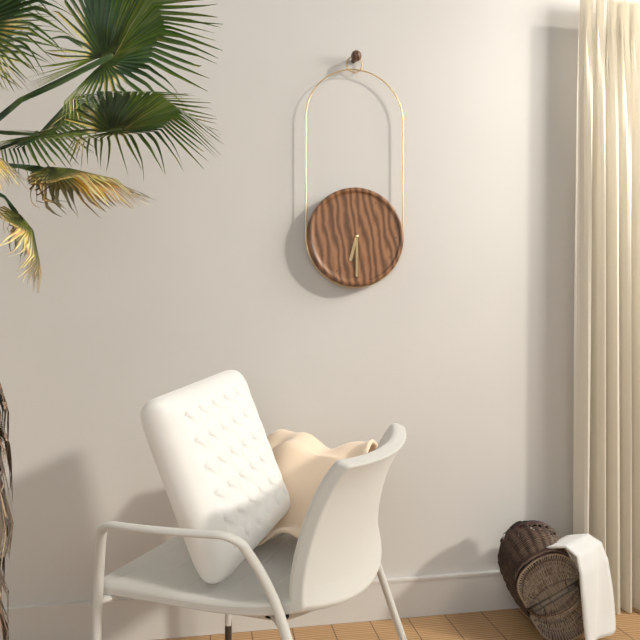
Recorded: 6 h 30 min
